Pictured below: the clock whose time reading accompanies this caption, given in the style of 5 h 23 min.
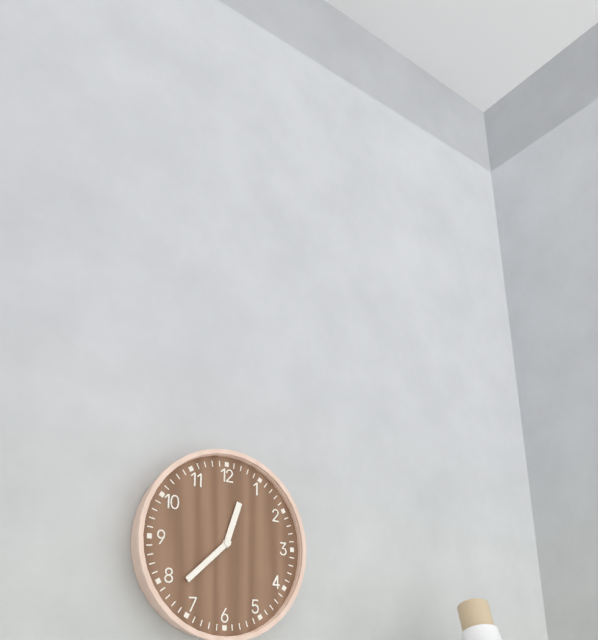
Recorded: 12 h 38 min
